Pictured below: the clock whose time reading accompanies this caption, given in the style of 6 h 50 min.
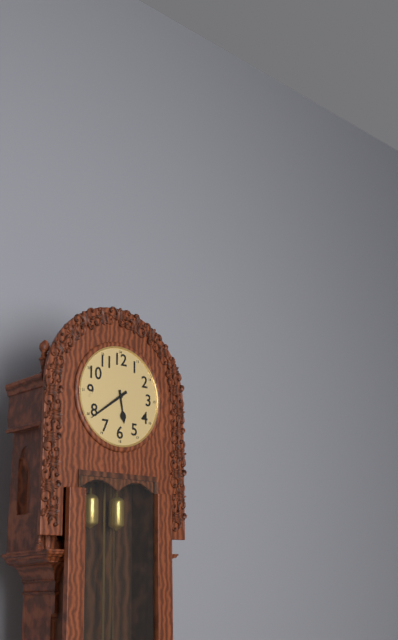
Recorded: 5 h 39 min
